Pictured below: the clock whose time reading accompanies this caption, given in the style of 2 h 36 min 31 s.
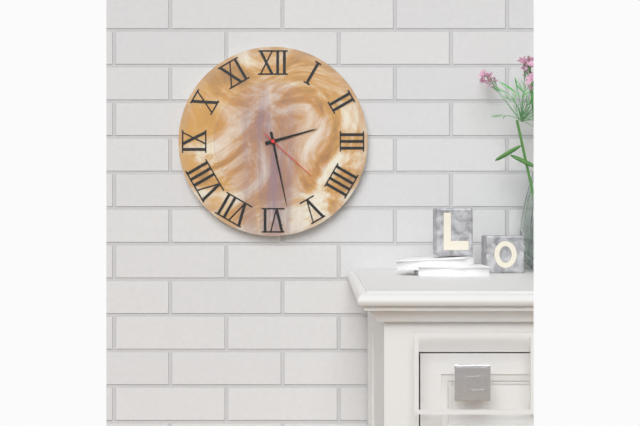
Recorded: 2 h 28 min 22 s
